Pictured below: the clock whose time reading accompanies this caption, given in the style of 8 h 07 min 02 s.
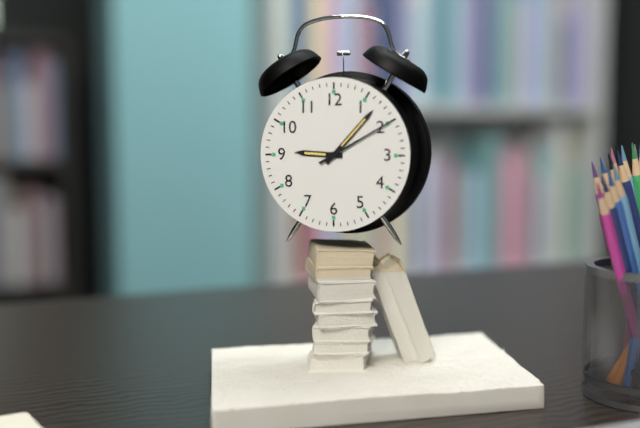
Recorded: 9 h 07 min 10 s
